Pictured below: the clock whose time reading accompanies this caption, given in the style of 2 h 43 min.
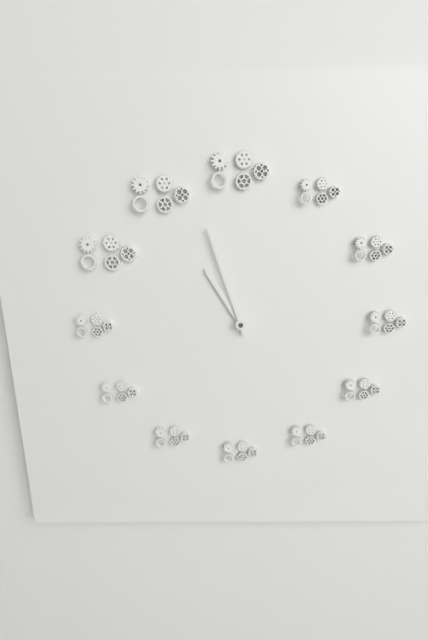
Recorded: 10 h 57 min
